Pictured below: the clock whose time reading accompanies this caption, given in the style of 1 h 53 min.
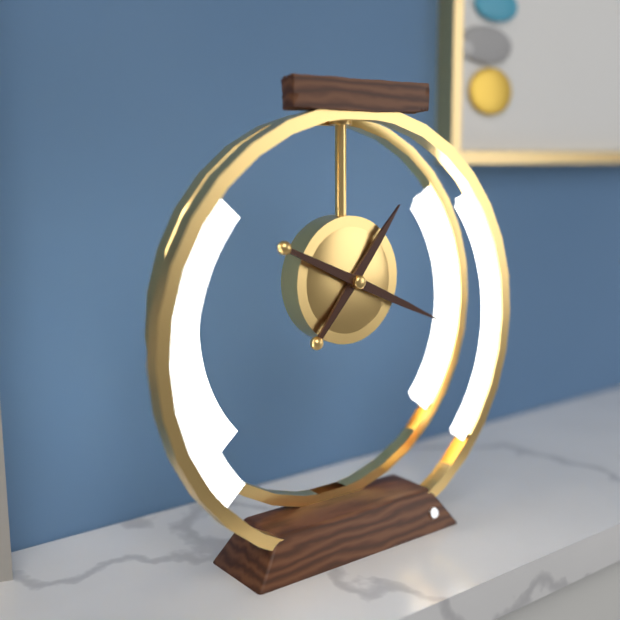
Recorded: 1 h 19 min
